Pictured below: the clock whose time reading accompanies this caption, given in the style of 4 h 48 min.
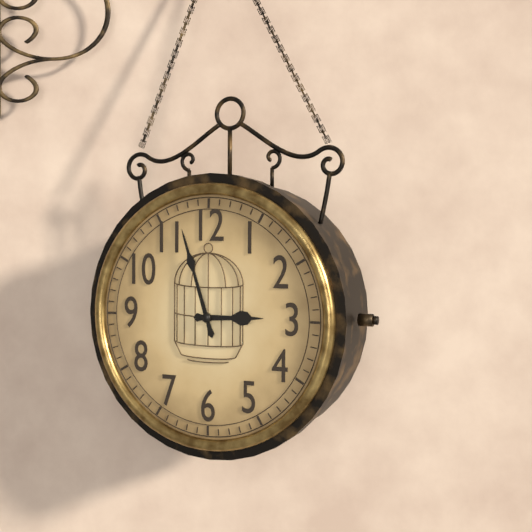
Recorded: 2 h 57 min
